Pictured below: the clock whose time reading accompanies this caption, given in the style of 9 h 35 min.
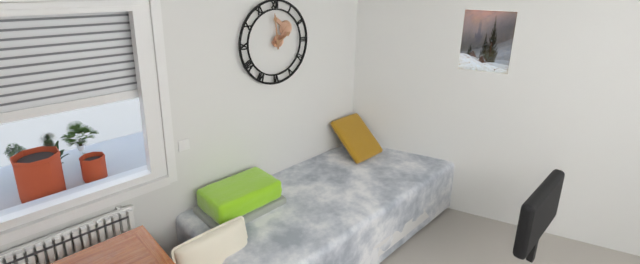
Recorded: 1 h 59 min
